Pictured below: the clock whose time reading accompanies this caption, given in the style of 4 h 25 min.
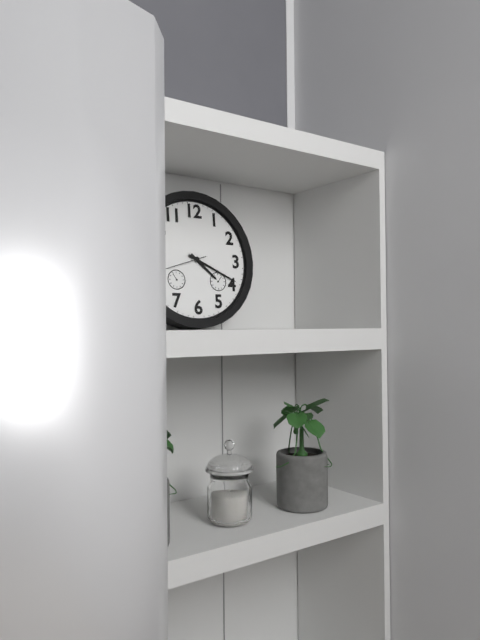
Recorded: 4 h 19 min
